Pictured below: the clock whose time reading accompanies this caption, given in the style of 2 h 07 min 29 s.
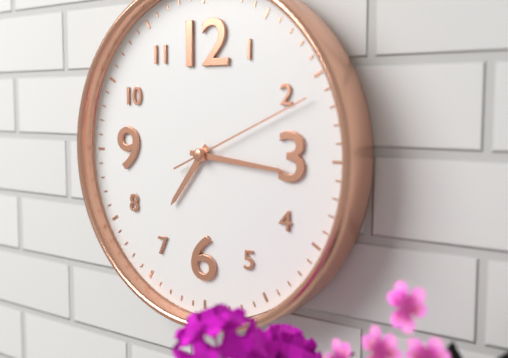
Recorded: 7 h 16 min 11 s
